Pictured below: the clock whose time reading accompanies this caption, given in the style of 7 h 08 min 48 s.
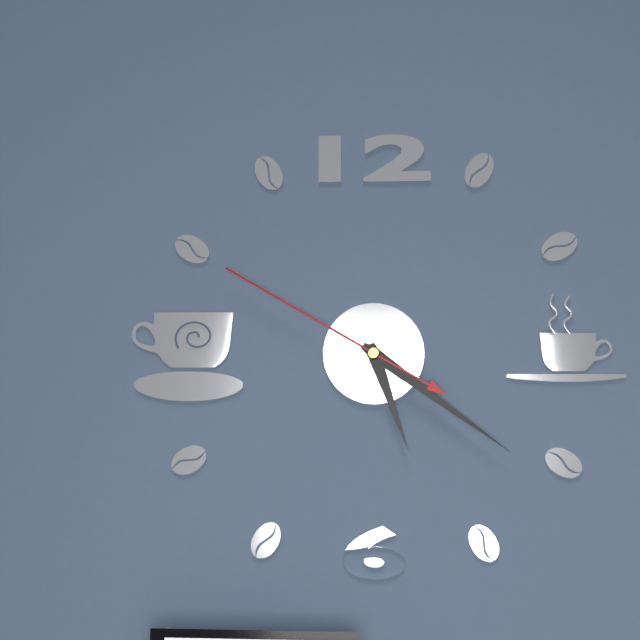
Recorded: 5 h 21 min 50 s
